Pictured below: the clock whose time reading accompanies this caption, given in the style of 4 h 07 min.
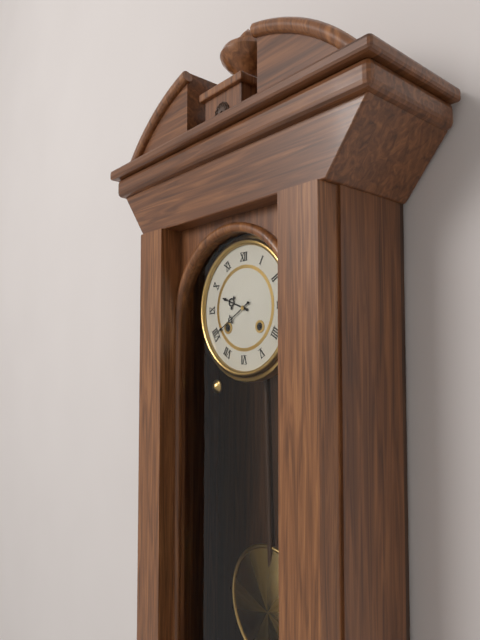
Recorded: 9 h 40 min
